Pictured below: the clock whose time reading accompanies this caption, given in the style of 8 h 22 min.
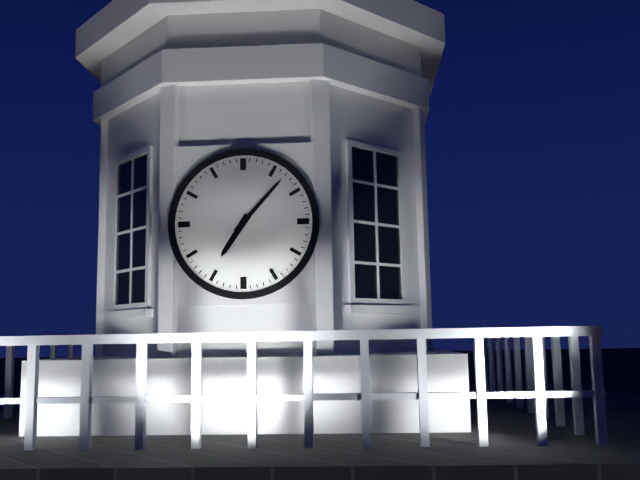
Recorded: 7 h 07 min
